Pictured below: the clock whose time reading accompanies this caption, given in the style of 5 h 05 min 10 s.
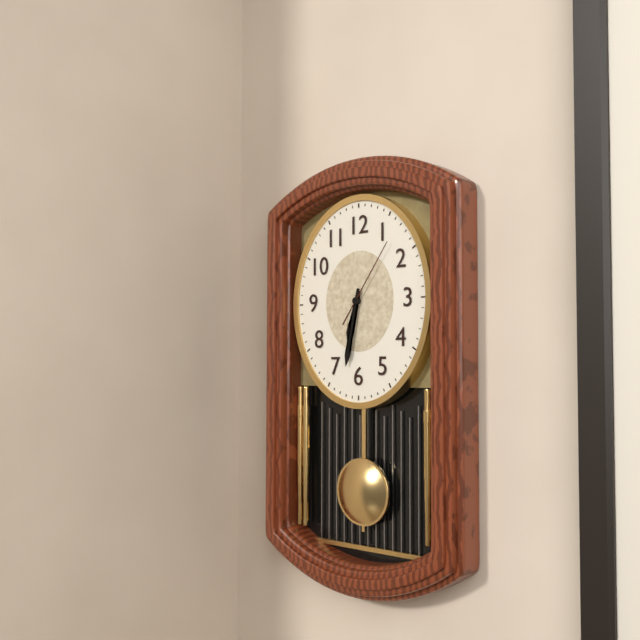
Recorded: 6 h 32 min 06 s
